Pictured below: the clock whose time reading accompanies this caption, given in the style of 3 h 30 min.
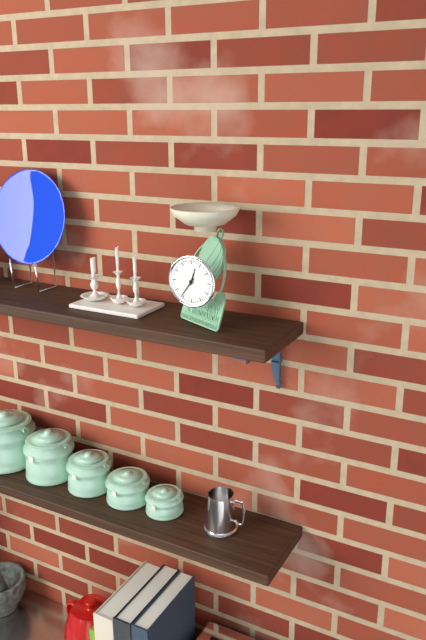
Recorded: 12 h 36 min
